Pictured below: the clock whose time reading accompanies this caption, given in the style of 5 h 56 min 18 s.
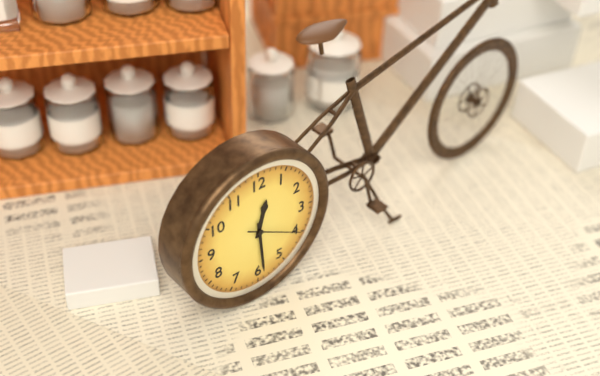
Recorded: 12 h 29 min 20 s
